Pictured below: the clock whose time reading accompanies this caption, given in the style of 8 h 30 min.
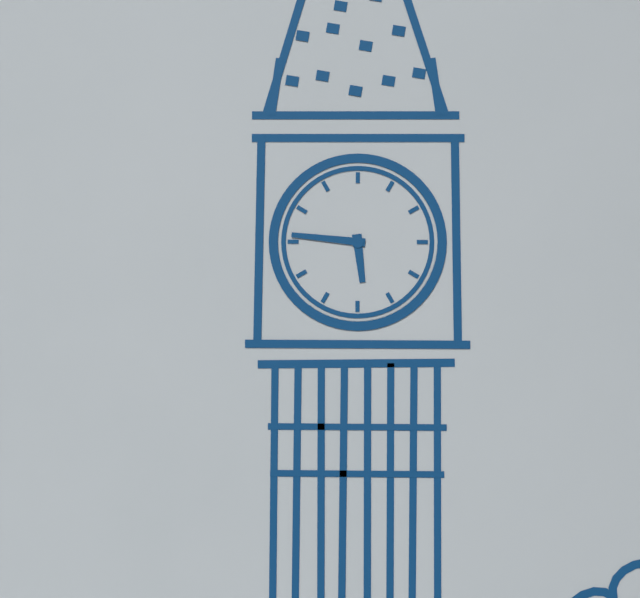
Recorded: 5 h 46 min
